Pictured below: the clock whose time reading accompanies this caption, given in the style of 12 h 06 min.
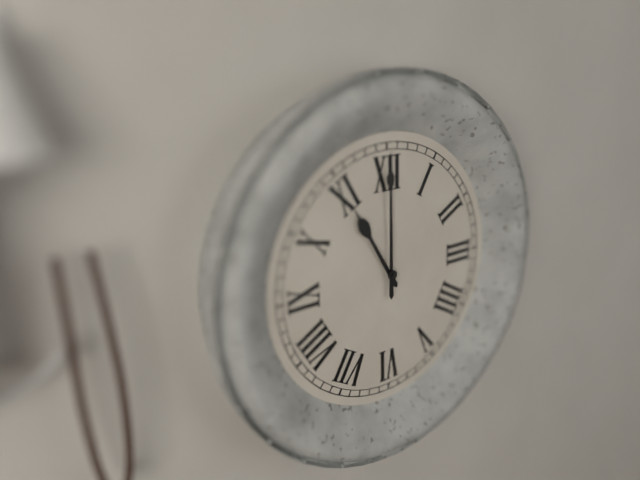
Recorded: 11 h 00 min
